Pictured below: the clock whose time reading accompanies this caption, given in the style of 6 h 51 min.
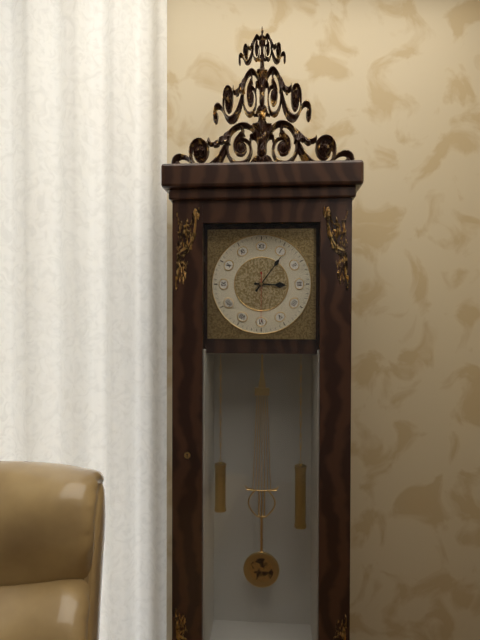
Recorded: 3 h 06 min
